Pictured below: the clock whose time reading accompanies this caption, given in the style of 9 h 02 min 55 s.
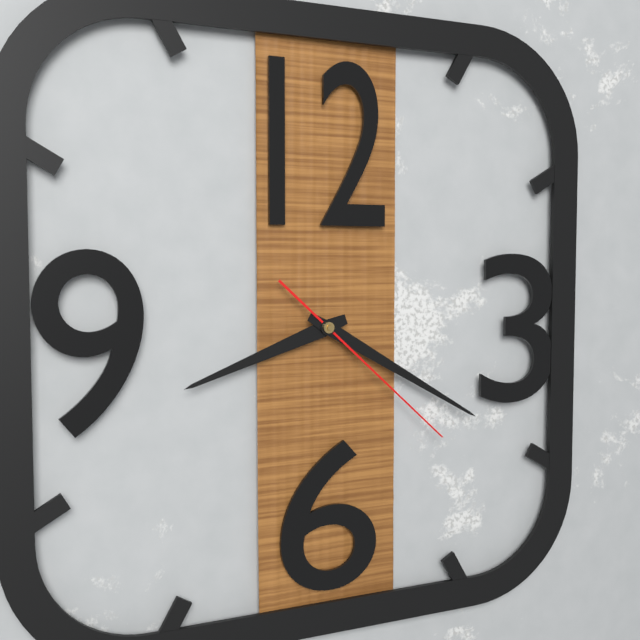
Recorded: 8 h 20 min 22 s
